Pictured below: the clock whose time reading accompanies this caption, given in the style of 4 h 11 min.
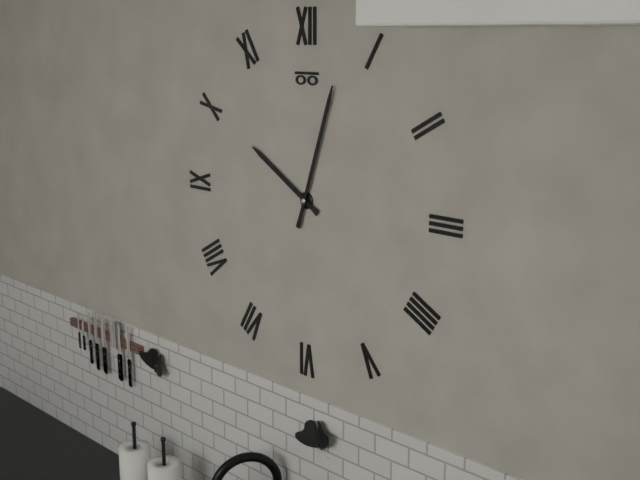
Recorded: 10 h 03 min
